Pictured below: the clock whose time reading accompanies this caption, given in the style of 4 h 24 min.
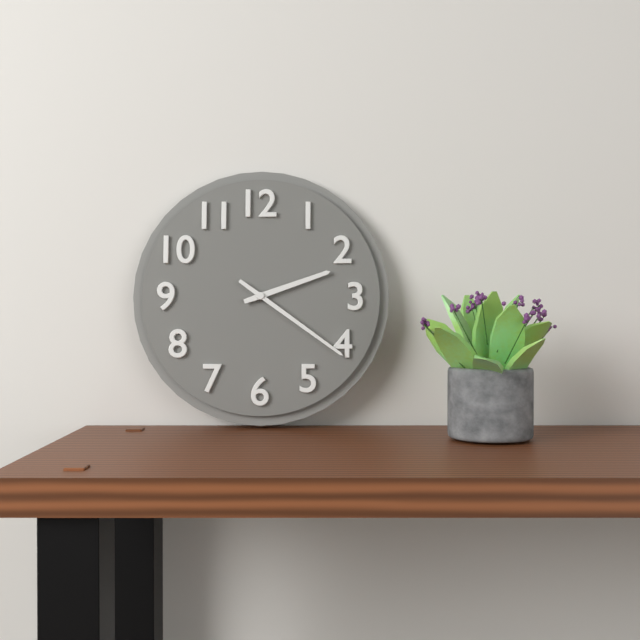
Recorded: 2 h 21 min
